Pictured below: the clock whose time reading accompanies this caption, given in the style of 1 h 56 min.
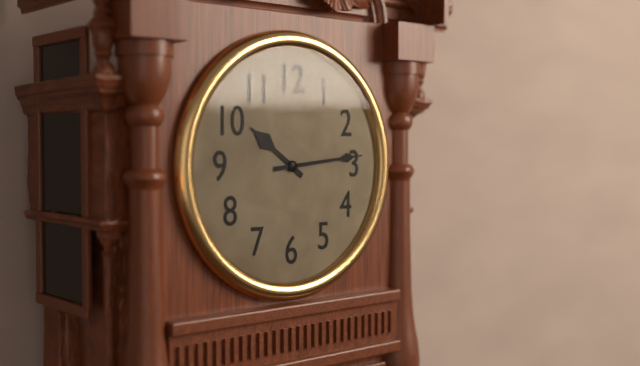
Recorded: 10 h 14 min
